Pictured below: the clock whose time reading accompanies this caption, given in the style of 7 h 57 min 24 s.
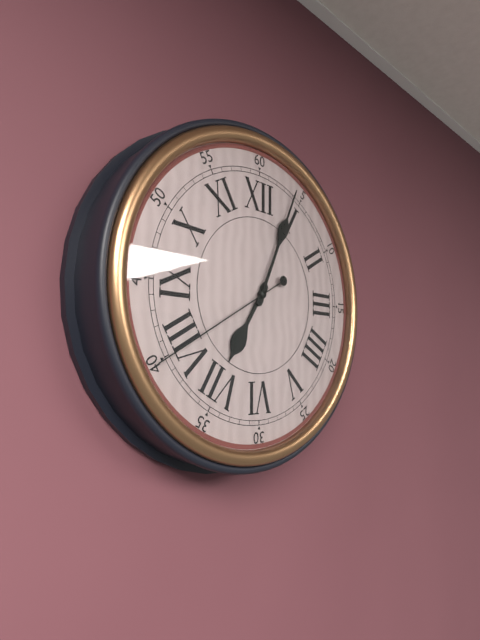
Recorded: 7 h 04 min 40 s
